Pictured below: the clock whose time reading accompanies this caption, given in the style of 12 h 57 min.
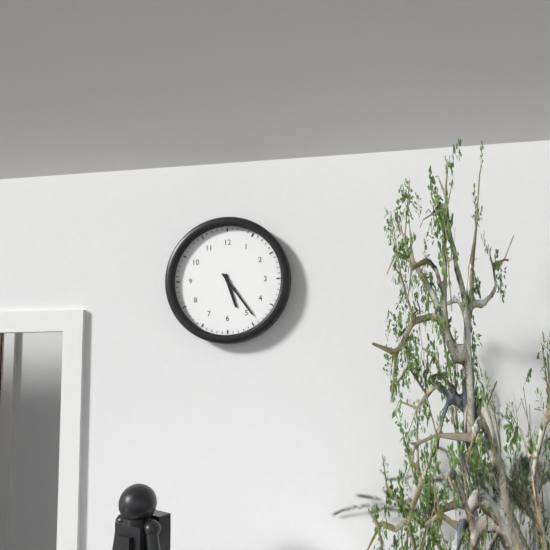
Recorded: 5 h 24 min
